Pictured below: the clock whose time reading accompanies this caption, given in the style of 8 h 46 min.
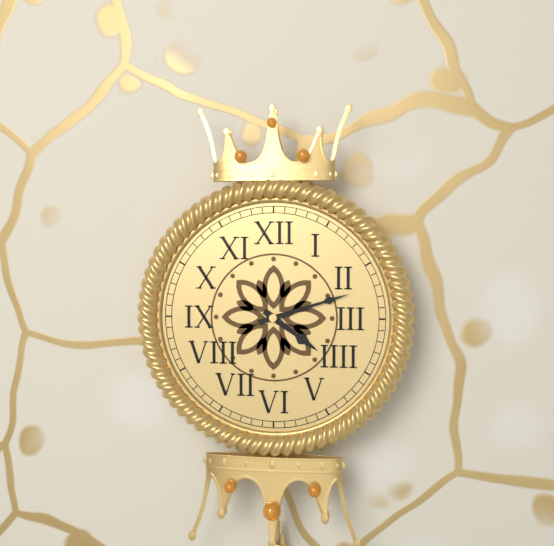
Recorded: 4 h 12 min
